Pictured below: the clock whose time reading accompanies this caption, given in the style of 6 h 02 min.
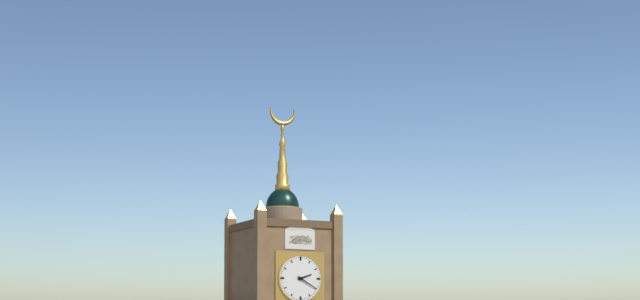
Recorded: 2 h 20 min
